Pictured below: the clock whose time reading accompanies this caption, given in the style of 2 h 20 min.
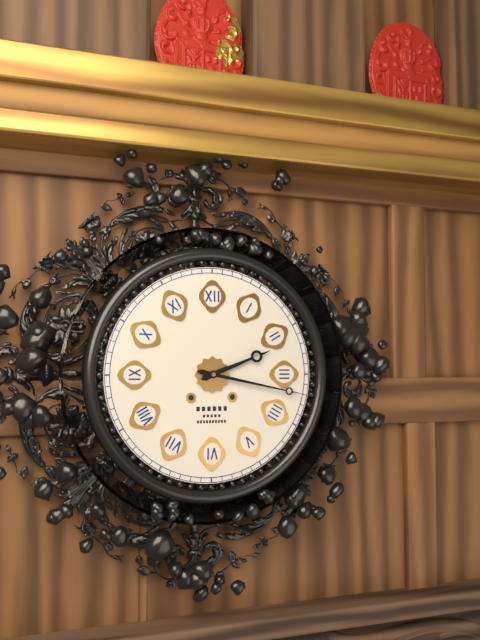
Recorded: 2 h 17 min
